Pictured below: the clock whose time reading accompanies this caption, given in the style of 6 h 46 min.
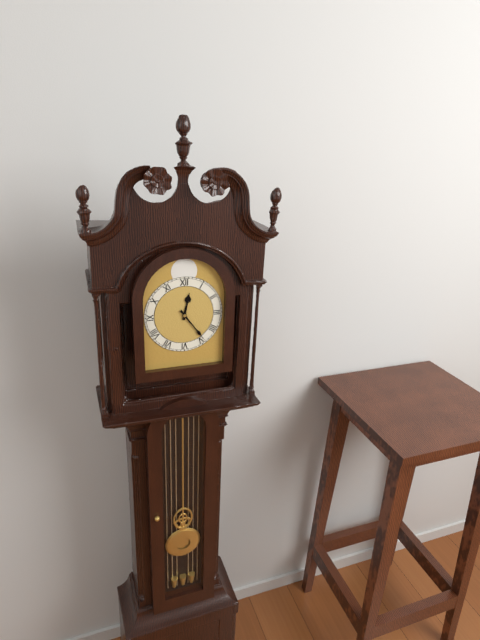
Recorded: 12 h 24 min
